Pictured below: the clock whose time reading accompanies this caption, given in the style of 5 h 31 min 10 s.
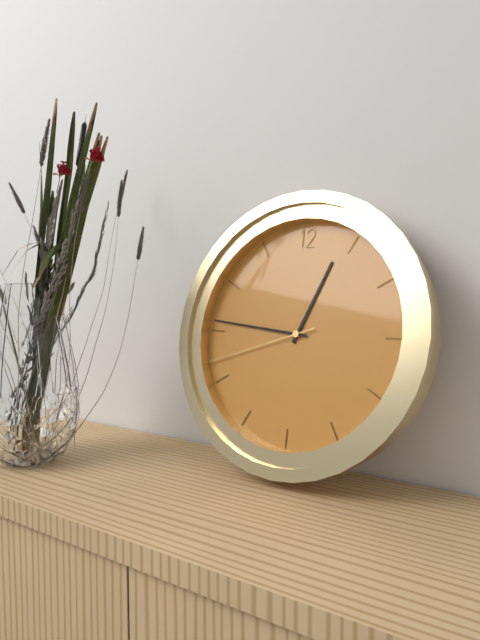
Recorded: 12 h 46 min 42 s
